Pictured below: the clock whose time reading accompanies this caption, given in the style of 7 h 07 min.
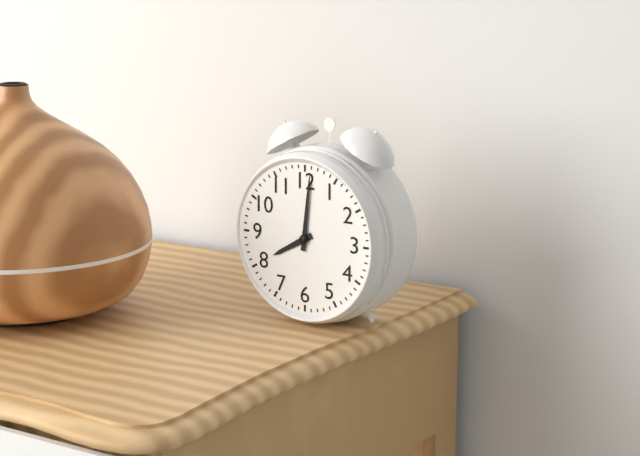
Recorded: 8 h 01 min
